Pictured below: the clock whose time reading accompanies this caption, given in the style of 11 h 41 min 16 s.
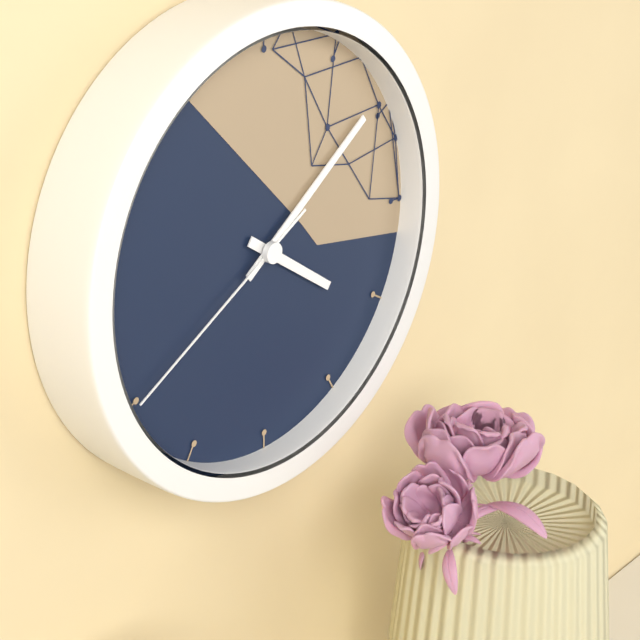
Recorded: 4 h 09 min 40 s
